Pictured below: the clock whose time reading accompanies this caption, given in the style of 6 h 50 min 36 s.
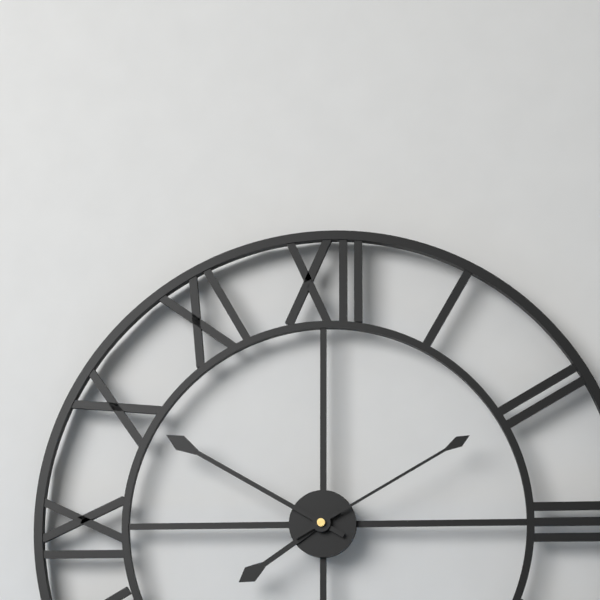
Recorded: 7 h 50 min 10 s
